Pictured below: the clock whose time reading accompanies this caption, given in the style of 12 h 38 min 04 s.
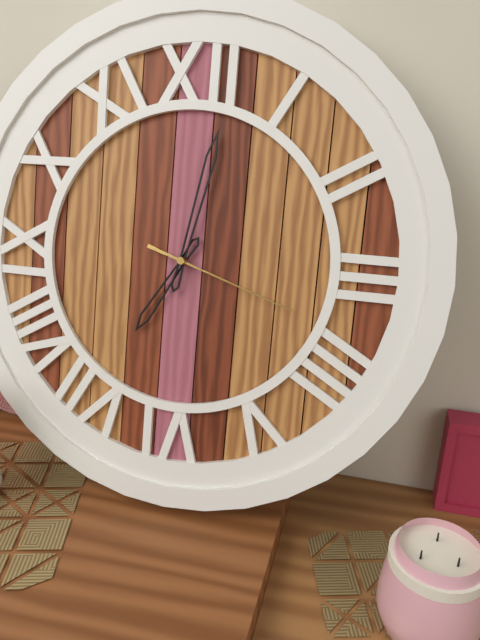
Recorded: 7 h 02 min 18 s
